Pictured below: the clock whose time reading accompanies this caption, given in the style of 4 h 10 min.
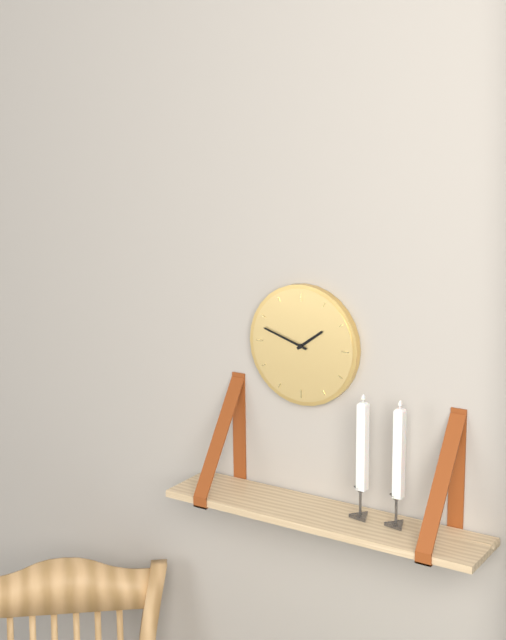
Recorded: 1 h 48 min
